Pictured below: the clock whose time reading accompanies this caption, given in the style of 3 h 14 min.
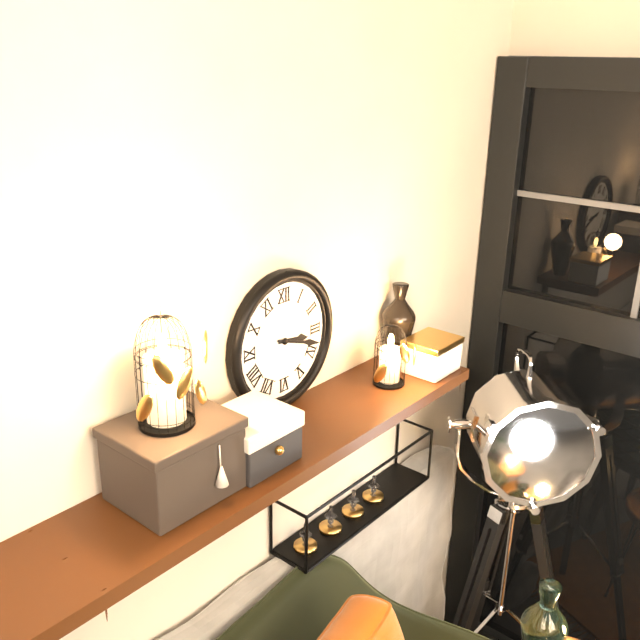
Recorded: 3 h 18 min
